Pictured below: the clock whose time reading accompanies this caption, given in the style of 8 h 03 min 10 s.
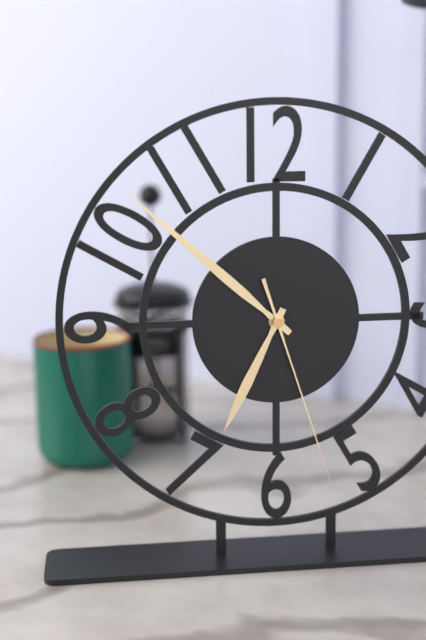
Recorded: 6 h 52 min 27 s
